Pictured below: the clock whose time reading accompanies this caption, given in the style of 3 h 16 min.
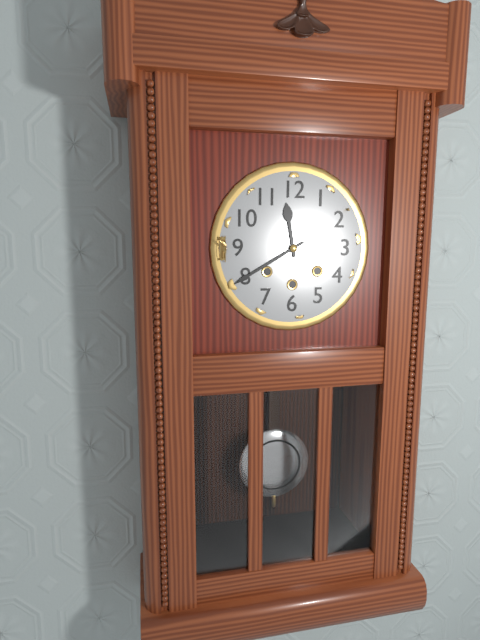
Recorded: 11 h 40 min
